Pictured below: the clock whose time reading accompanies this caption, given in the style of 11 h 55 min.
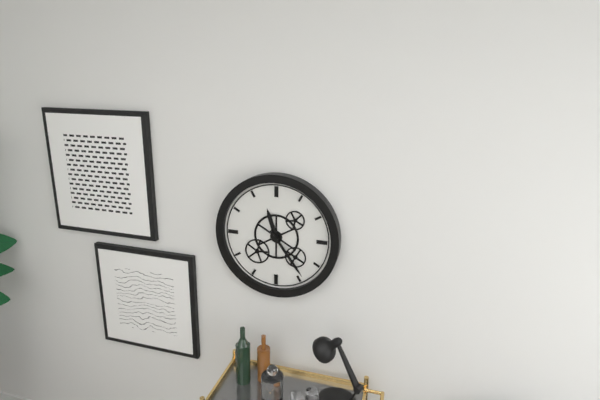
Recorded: 11 h 24 min
